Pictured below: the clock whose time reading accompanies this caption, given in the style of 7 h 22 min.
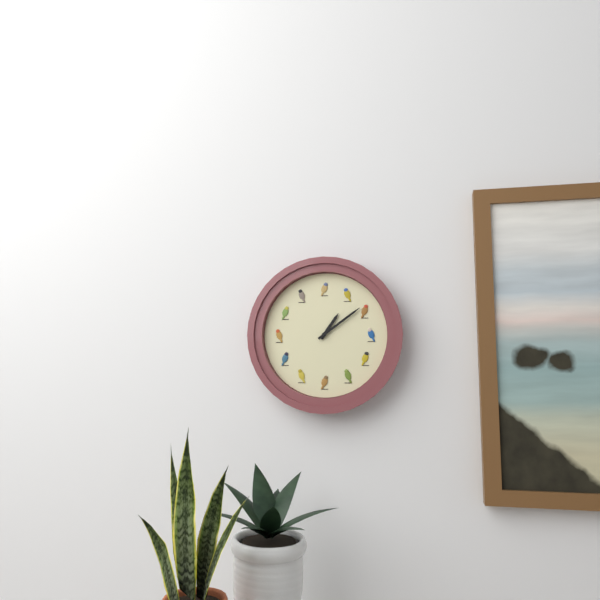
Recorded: 1 h 09 min
